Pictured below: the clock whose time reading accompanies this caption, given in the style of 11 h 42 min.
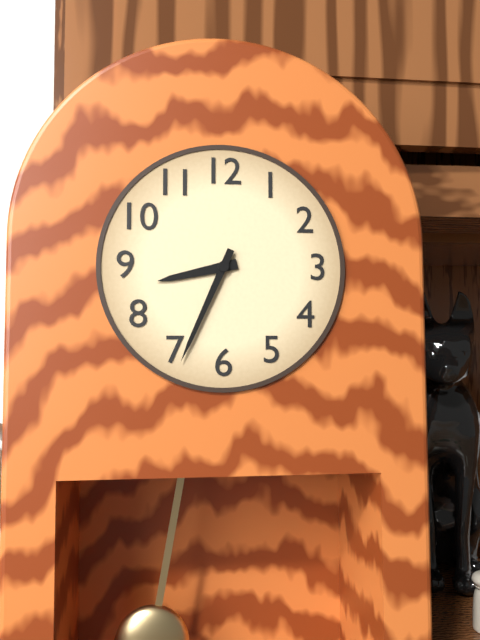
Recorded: 8 h 34 min
